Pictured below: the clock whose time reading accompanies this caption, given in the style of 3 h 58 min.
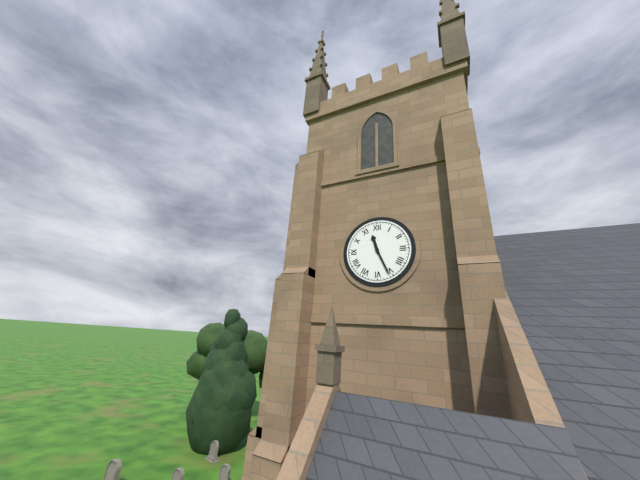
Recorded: 11 h 26 min
